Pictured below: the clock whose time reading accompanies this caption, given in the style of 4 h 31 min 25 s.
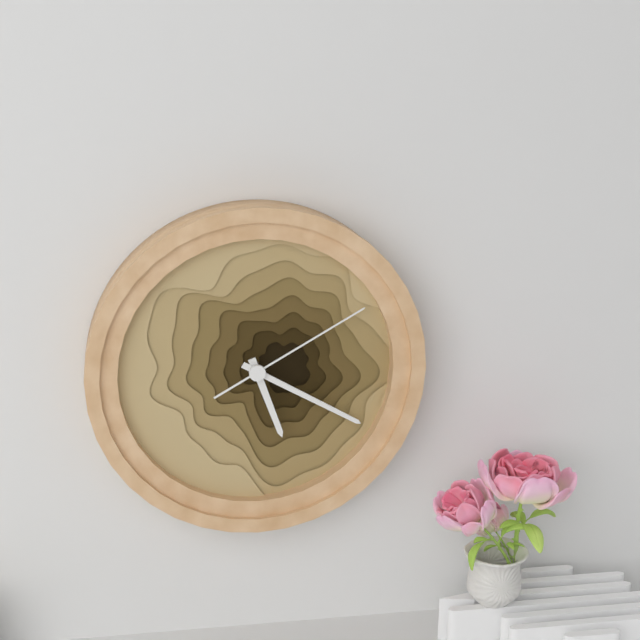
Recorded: 5 h 20 min 10 s
